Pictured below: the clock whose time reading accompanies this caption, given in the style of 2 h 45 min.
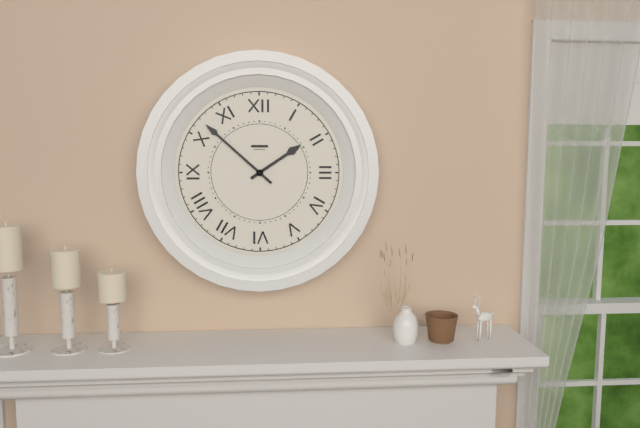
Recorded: 1 h 52 min
